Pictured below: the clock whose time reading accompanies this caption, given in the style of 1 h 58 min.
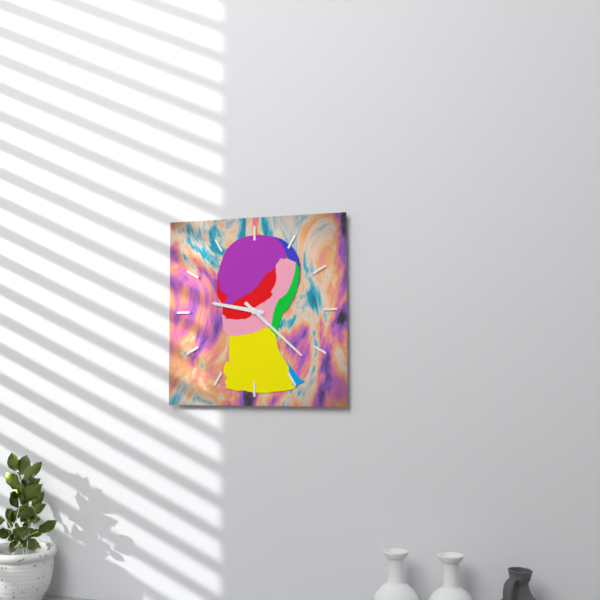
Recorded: 9 h 22 min
